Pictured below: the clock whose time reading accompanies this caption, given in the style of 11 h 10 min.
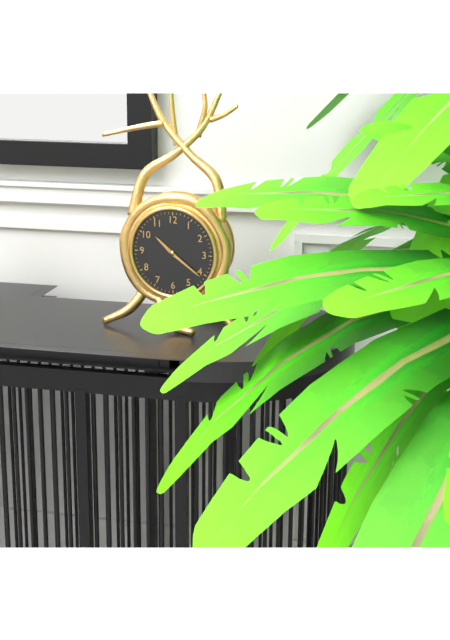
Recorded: 10 h 21 min
